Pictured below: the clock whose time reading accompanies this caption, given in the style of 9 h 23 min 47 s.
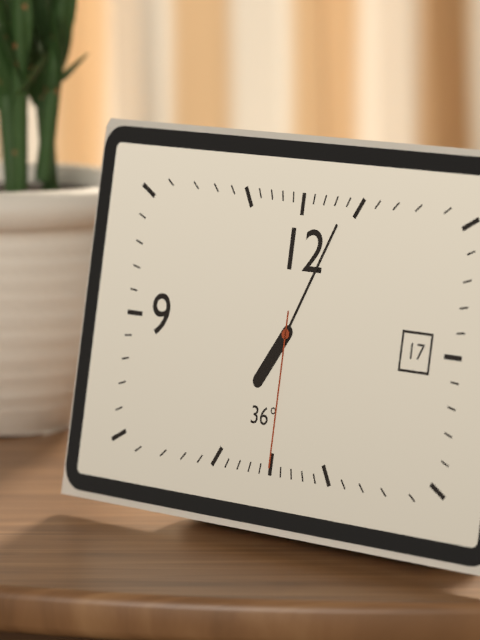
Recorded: 7 h 04 min 30 s
